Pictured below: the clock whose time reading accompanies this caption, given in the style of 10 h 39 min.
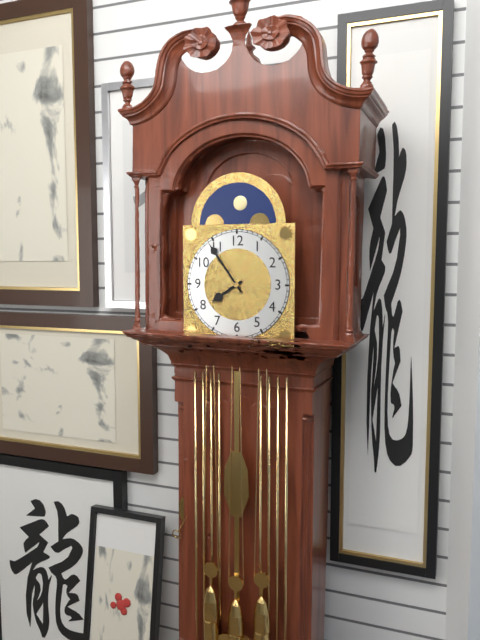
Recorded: 7 h 54 min
